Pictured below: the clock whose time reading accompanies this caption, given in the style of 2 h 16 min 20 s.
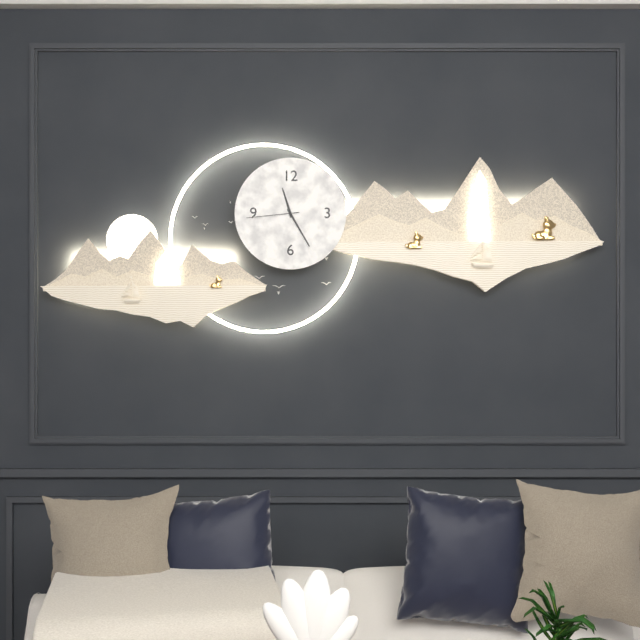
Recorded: 11 h 25 min 44 s
